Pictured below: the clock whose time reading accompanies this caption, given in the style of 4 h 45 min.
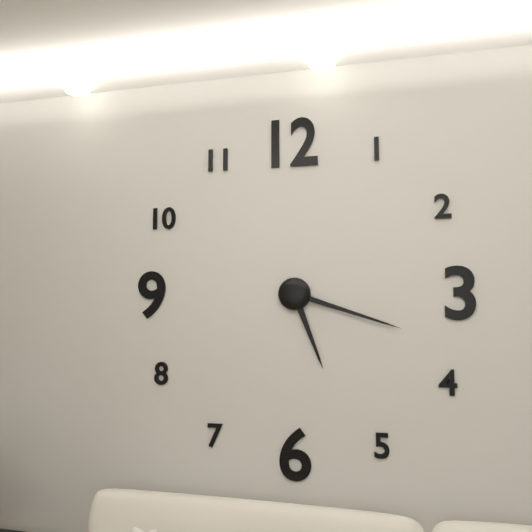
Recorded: 5 h 18 min
